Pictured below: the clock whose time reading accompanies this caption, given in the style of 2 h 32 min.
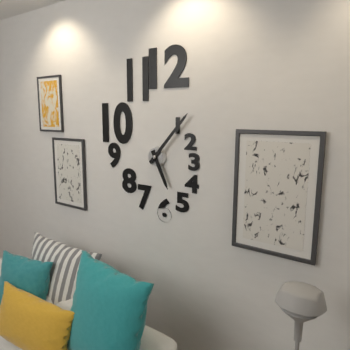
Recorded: 5 h 07 min
